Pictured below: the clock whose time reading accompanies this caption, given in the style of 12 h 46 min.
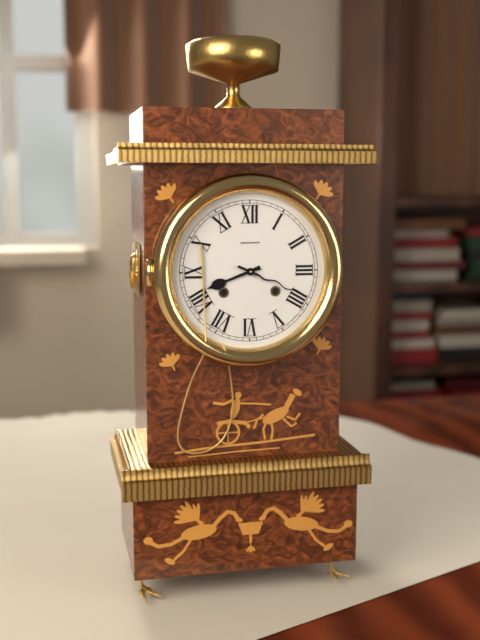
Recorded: 8 h 19 min
